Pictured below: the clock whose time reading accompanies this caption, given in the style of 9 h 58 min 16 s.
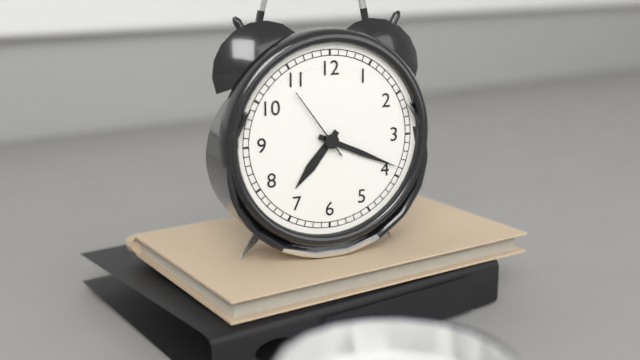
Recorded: 7 h 19 min 54 s
